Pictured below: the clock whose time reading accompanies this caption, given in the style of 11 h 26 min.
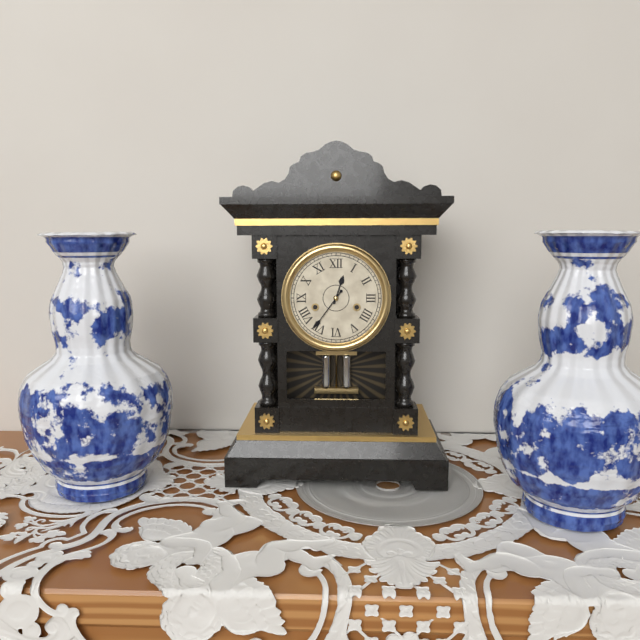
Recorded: 12 h 36 min
